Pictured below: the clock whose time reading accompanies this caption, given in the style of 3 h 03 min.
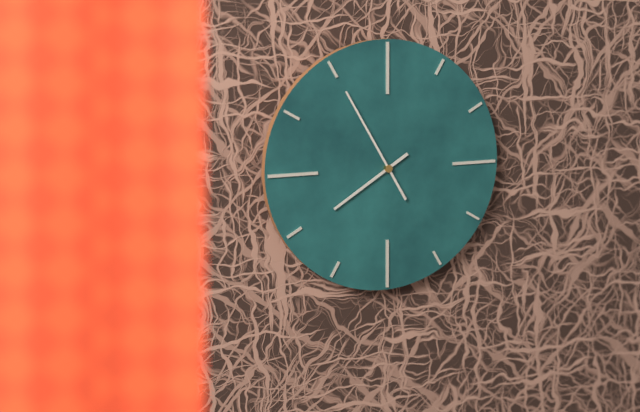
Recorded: 7 h 55 min
